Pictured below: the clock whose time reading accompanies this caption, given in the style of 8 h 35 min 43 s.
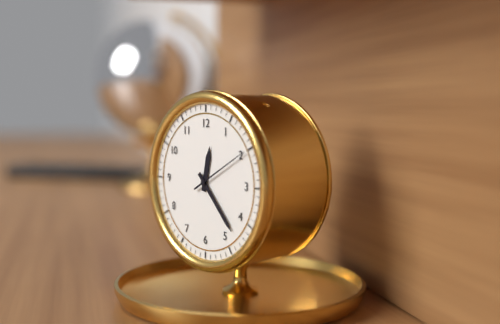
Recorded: 12 h 23 min 10 s
